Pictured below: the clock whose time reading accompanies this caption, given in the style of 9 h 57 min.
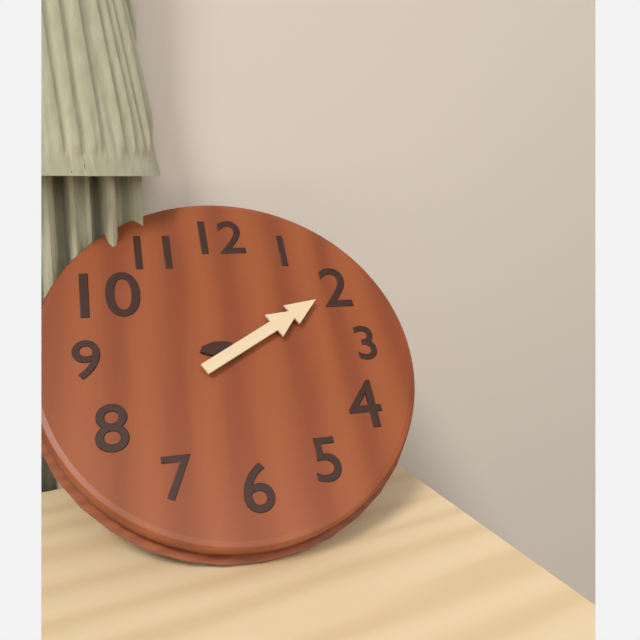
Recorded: 9 h 10 min
